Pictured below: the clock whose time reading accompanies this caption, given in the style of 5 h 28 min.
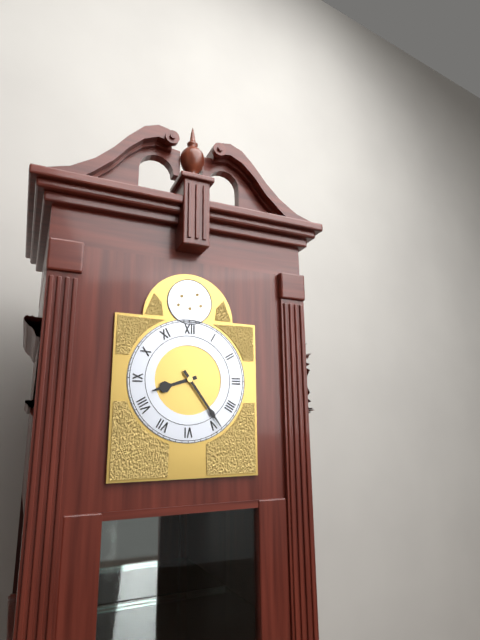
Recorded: 8 h 24 min
